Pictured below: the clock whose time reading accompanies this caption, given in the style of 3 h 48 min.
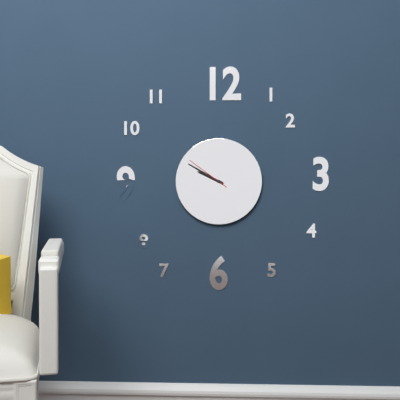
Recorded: 9 h 50 min
